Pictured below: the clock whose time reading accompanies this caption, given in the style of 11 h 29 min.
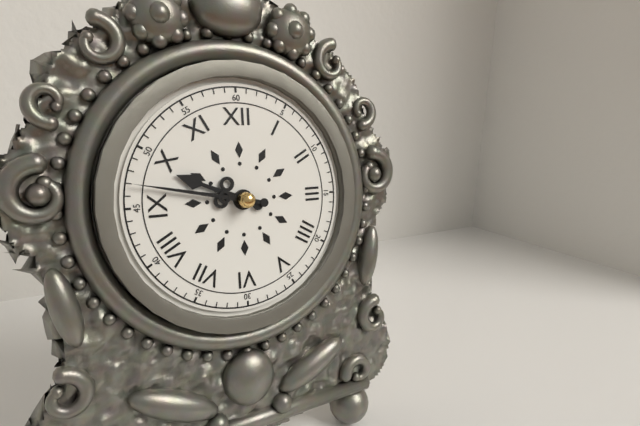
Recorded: 9 h 47 min
